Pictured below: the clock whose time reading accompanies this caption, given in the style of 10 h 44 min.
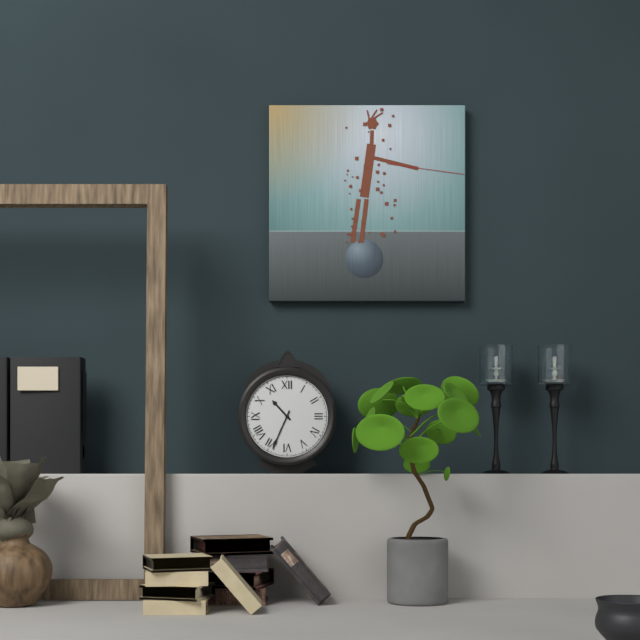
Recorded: 10 h 34 min
